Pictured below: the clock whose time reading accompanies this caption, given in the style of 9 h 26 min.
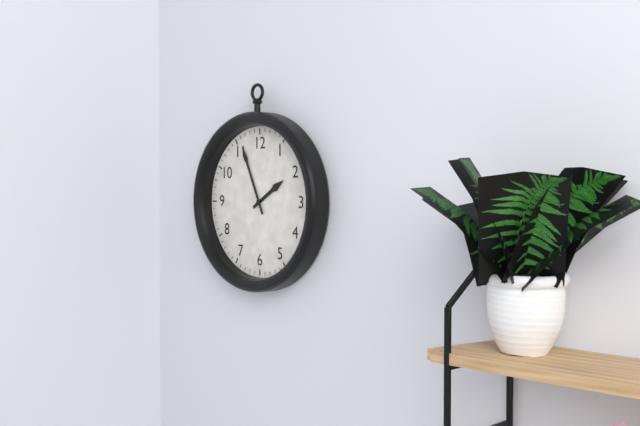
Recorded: 1 h 56 min
